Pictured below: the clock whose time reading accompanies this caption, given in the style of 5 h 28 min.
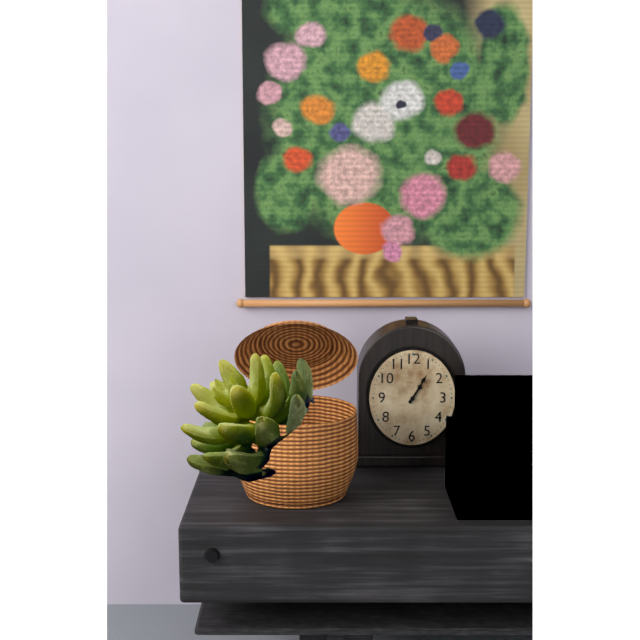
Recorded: 1 h 05 min
